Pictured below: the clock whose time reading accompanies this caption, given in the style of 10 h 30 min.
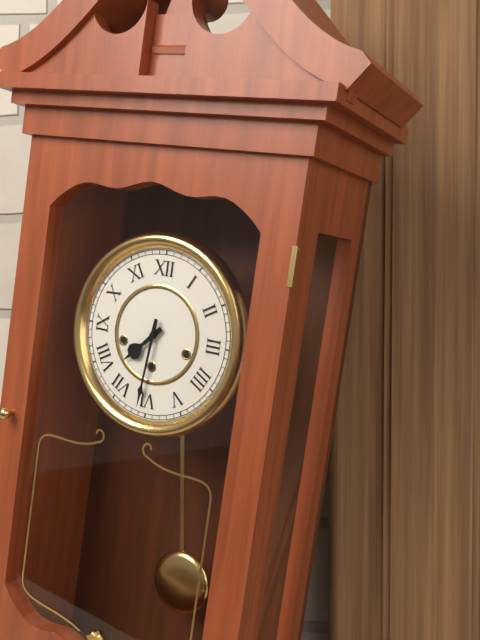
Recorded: 7 h 31 min
